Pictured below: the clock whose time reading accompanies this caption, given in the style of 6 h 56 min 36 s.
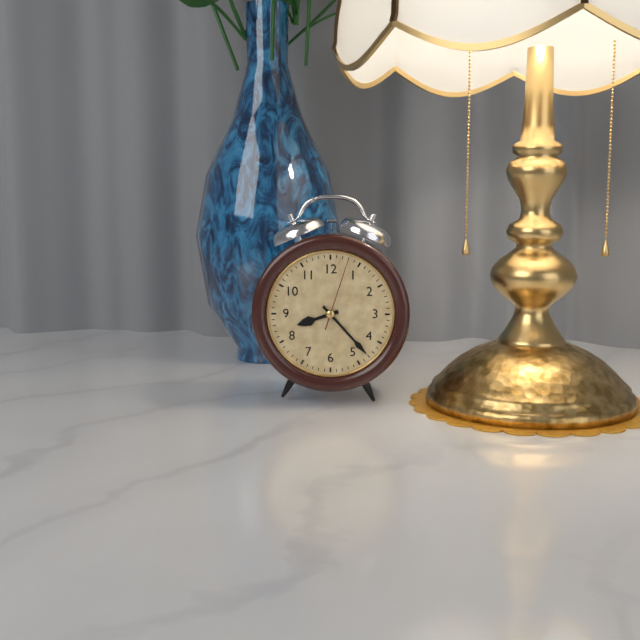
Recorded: 8 h 23 min 03 s
